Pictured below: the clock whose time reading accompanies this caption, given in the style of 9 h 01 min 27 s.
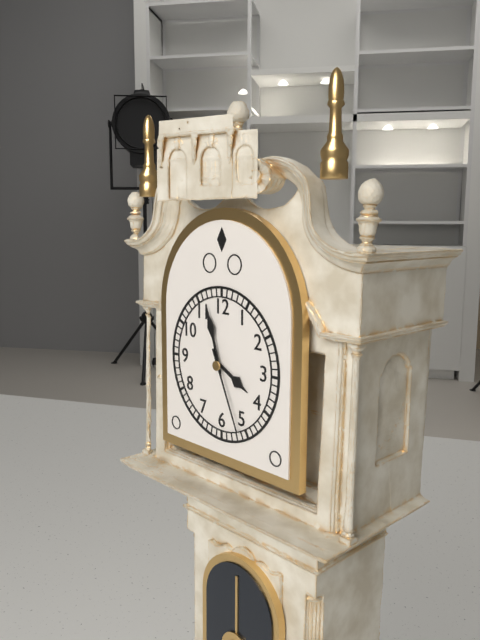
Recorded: 3 h 57 min 26 s
